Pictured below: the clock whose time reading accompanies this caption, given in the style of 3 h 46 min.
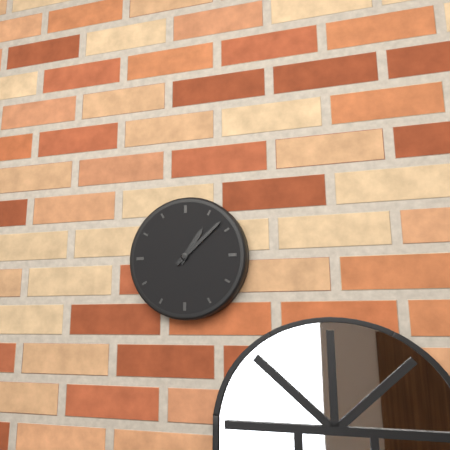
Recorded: 1 h 08 min
